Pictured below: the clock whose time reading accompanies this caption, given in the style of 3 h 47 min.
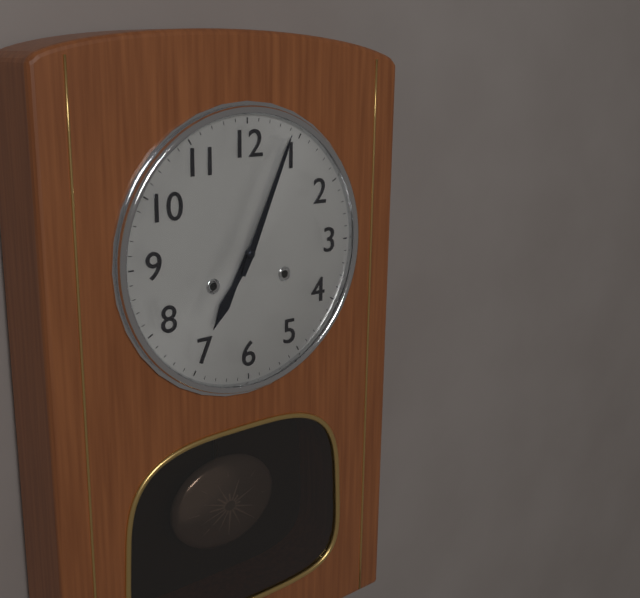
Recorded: 7 h 04 min
